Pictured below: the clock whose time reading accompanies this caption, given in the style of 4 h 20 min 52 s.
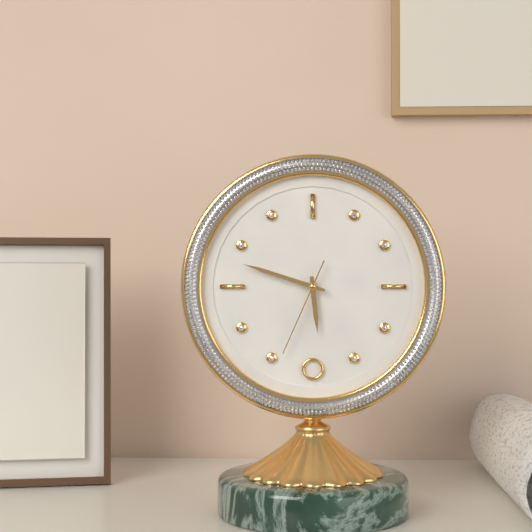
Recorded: 5 h 48 min 34 s
